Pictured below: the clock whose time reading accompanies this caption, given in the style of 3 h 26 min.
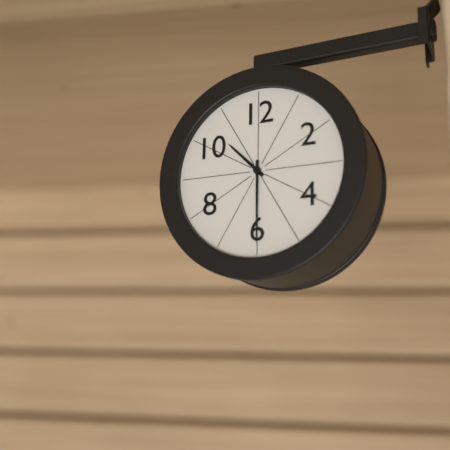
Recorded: 10 h 30 min
